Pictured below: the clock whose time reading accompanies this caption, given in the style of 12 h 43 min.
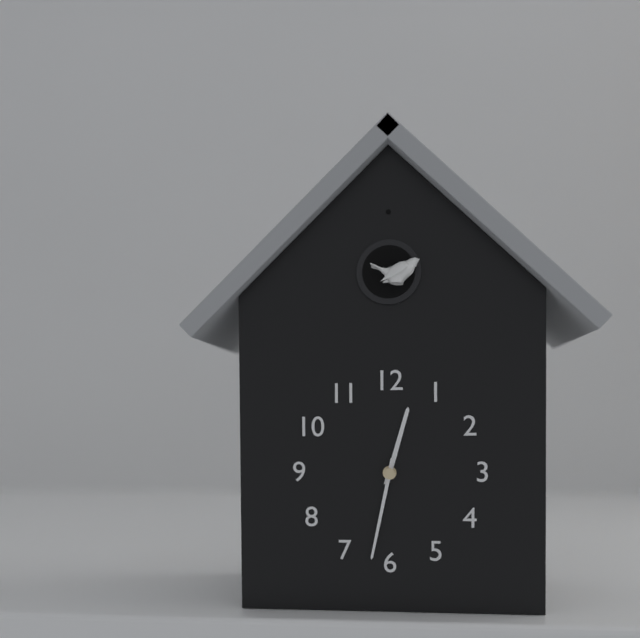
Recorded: 12 h 32 min
